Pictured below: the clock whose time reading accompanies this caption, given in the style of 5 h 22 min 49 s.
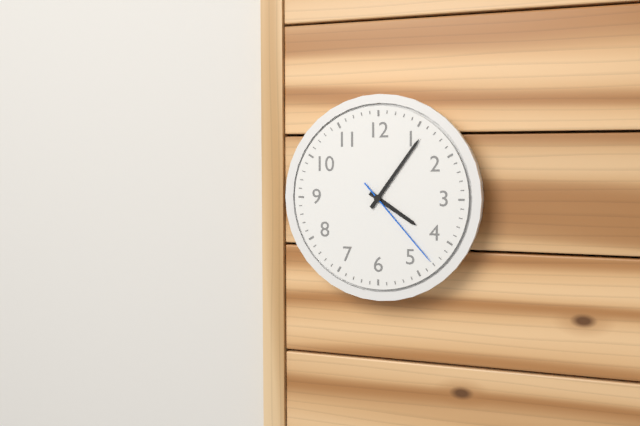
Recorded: 4 h 06 min 23 s
